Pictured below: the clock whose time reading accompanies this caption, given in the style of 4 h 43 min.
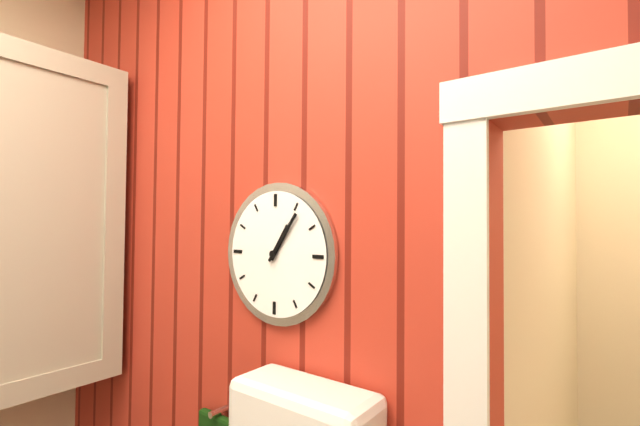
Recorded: 1 h 06 min
